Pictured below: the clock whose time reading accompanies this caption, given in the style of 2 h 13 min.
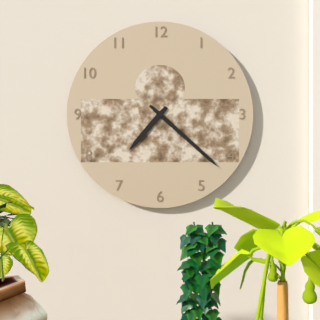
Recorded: 7 h 22 min
